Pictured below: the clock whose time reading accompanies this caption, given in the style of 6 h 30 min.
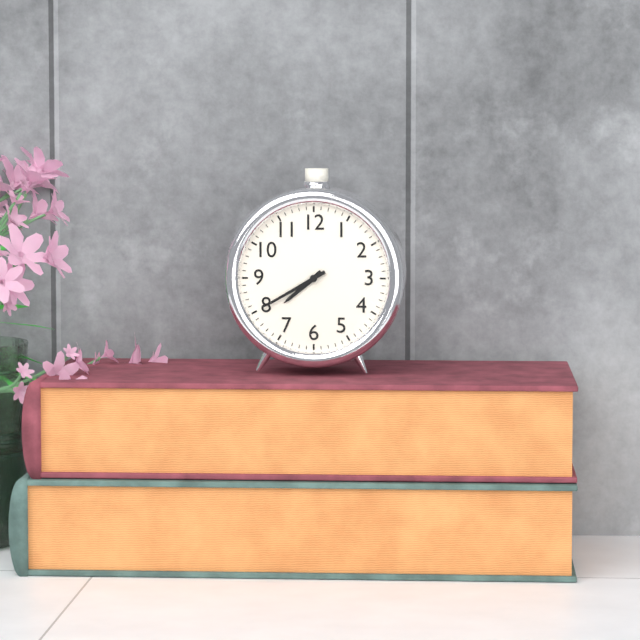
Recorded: 7 h 40 min
